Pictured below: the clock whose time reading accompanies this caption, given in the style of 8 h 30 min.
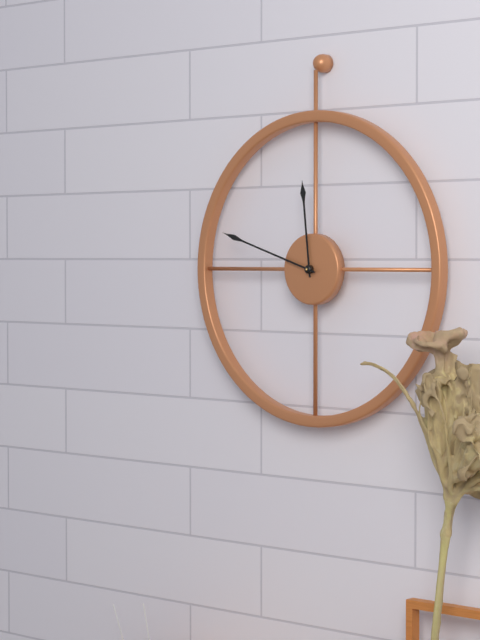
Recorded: 11 h 48 min
